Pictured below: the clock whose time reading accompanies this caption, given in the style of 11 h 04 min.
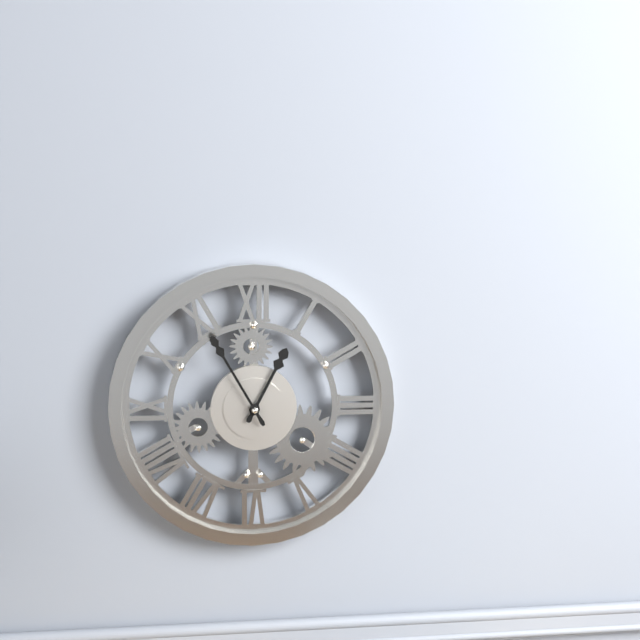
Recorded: 12 h 55 min
